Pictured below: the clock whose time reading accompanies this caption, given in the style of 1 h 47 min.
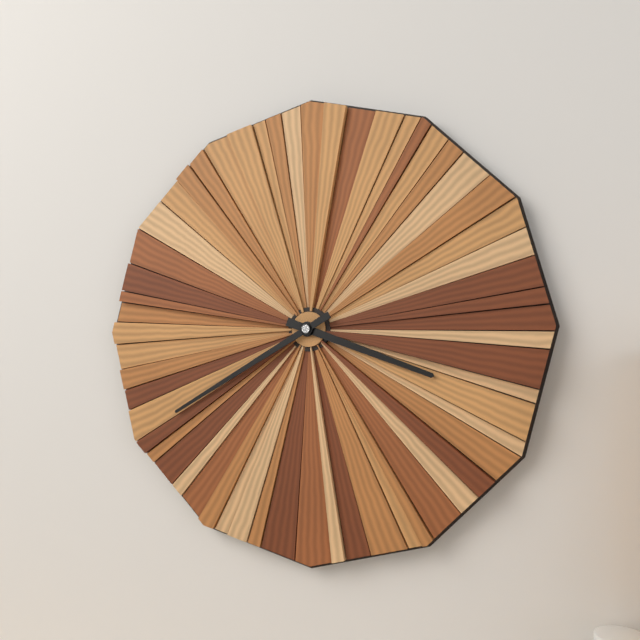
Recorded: 3 h 40 min
